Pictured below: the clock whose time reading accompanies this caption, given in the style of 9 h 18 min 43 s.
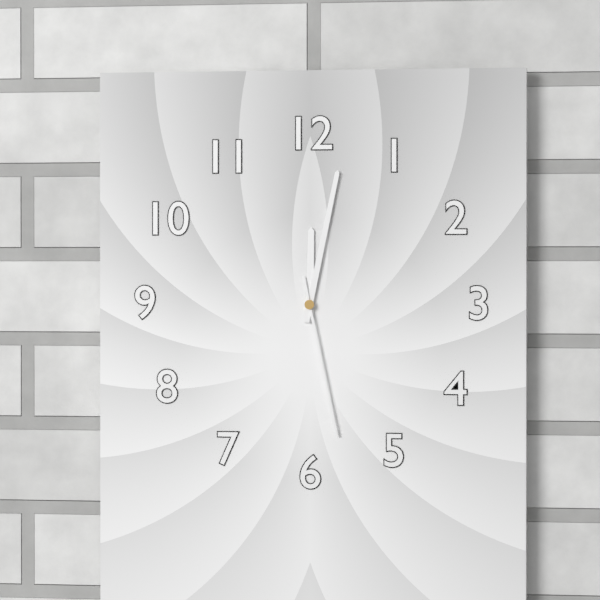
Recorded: 12 h 02 min 28 s
